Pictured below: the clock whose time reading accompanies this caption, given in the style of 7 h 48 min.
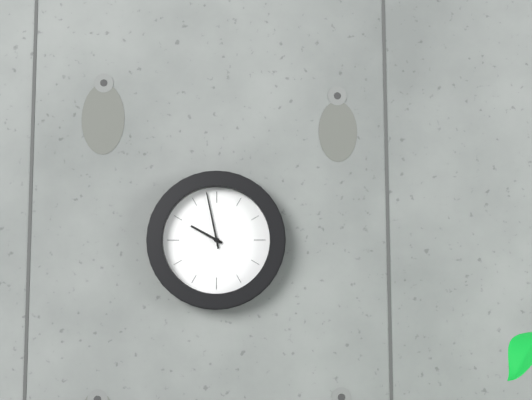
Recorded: 9 h 58 min
